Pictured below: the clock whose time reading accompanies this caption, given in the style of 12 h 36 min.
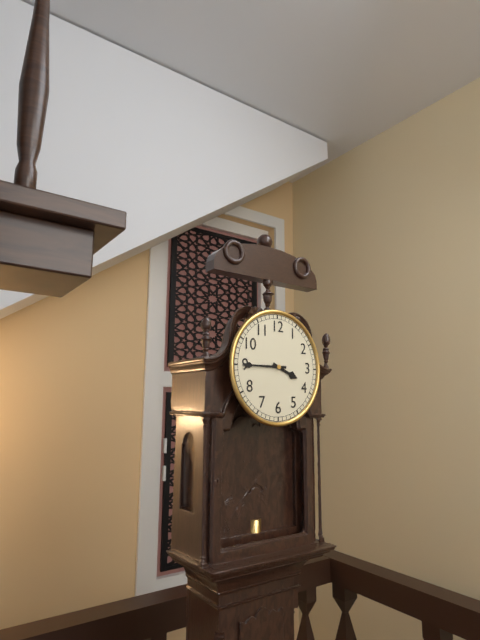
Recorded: 3 h 45 min
